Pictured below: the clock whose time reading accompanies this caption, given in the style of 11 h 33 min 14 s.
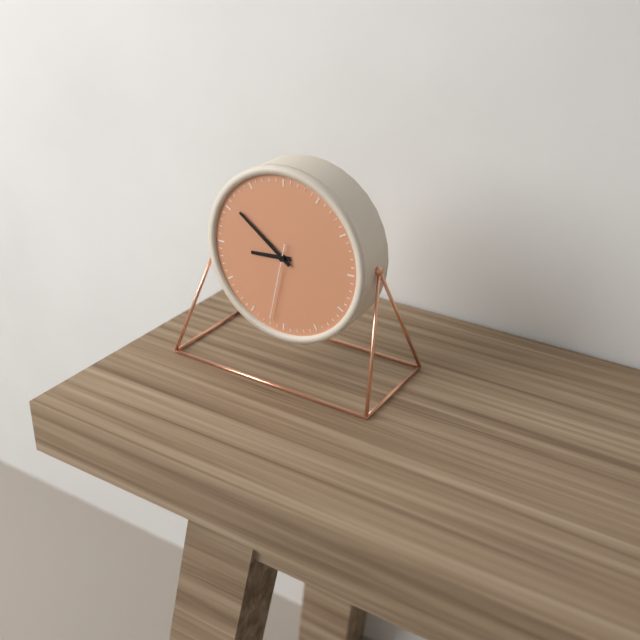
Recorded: 8 h 51 min 32 s
